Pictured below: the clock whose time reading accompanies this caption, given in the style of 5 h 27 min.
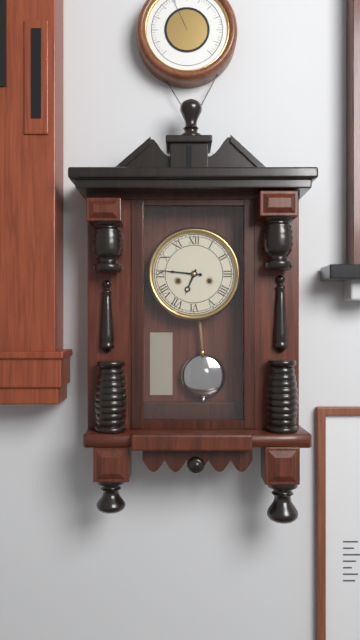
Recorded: 6 h 46 min
